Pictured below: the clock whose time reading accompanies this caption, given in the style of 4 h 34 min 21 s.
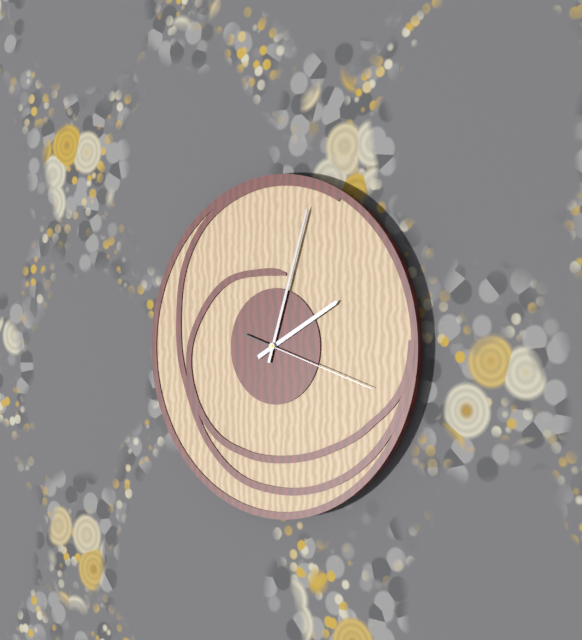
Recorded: 2 h 03 min 18 s
